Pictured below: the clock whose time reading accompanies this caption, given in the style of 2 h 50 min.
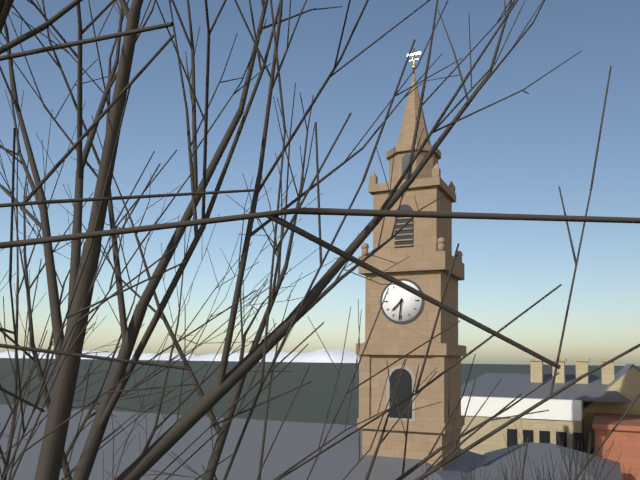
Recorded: 7 h 31 min
